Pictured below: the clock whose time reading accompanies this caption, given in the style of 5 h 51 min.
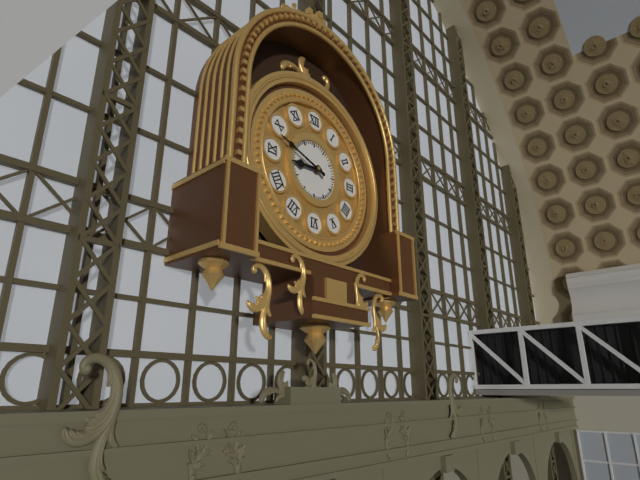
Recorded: 8 h 48 min
